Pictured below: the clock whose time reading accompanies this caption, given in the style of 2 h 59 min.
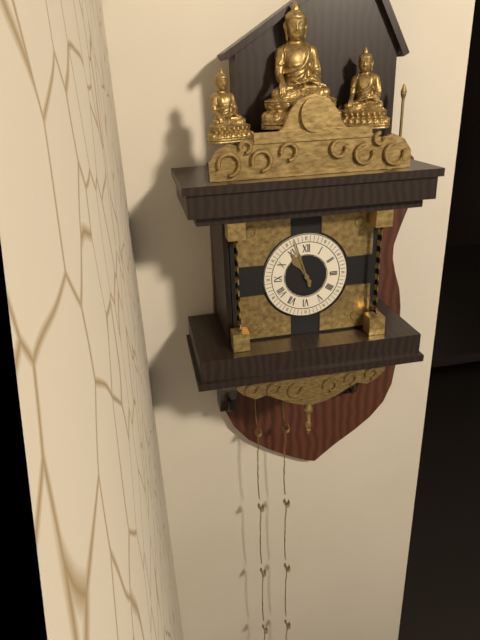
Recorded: 10 h 57 min
